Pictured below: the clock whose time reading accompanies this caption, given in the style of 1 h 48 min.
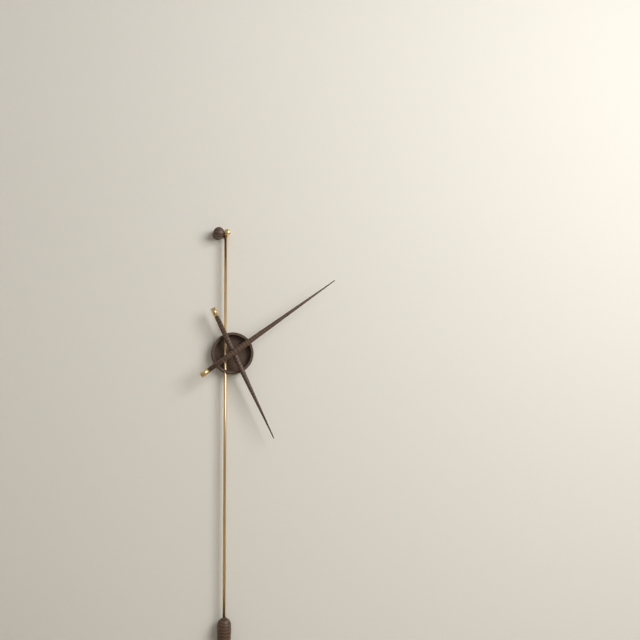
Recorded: 5 h 09 min
